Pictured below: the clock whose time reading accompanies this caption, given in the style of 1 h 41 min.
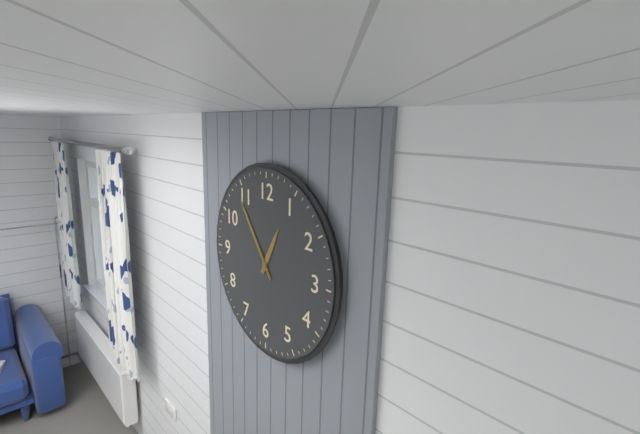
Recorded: 12 h 54 min
